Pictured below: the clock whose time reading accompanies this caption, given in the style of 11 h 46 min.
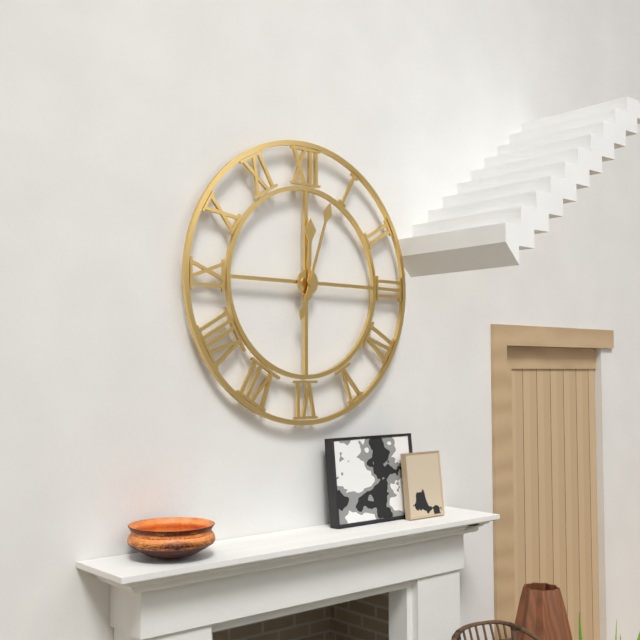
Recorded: 12 h 03 min
